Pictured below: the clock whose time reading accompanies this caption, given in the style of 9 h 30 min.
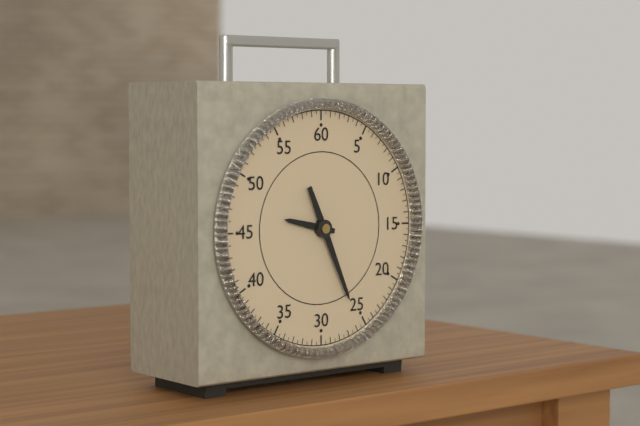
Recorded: 9 h 26 min
